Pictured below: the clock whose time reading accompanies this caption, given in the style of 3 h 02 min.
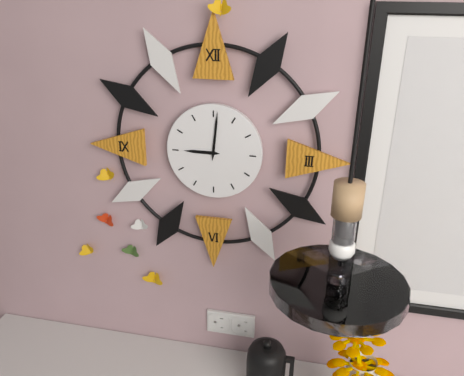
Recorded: 9 h 01 min
